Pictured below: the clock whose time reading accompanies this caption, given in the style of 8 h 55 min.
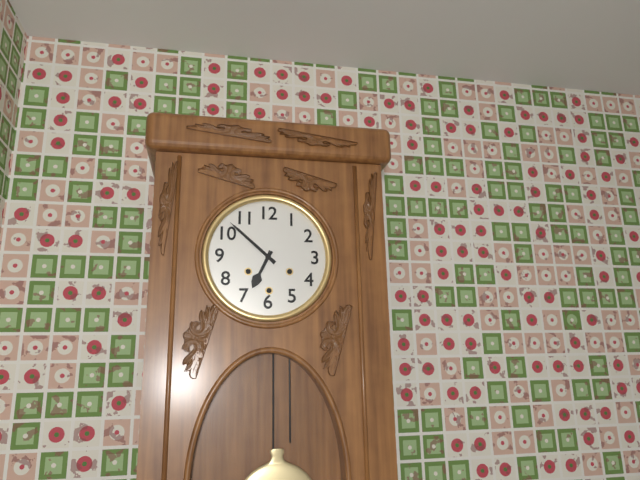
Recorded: 6 h 52 min
